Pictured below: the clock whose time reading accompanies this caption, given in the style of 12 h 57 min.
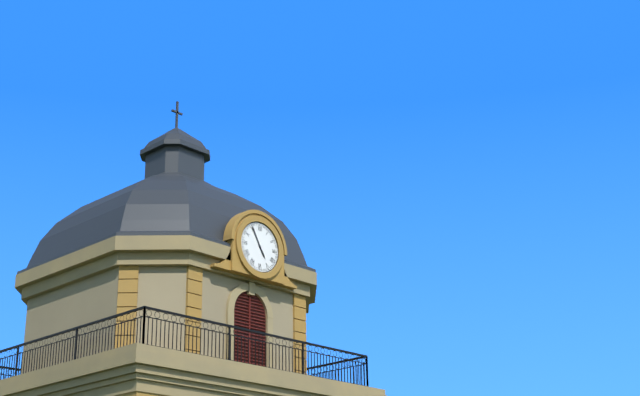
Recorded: 4 h 55 min
